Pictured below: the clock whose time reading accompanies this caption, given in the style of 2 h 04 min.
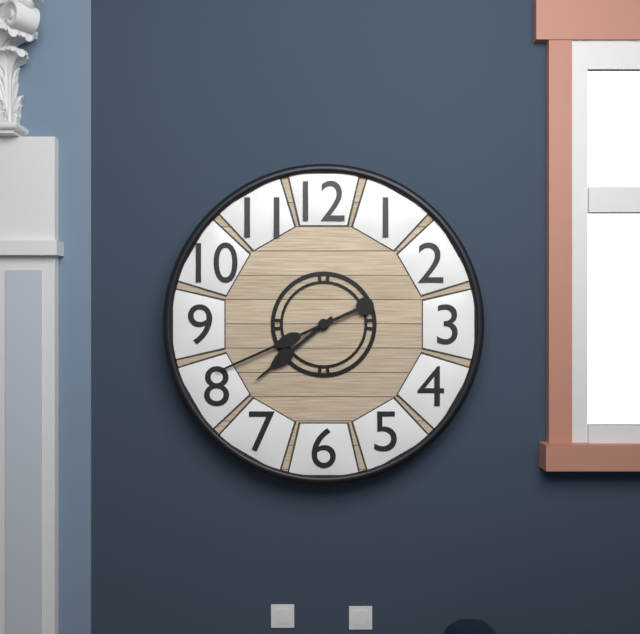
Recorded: 7 h 41 min
